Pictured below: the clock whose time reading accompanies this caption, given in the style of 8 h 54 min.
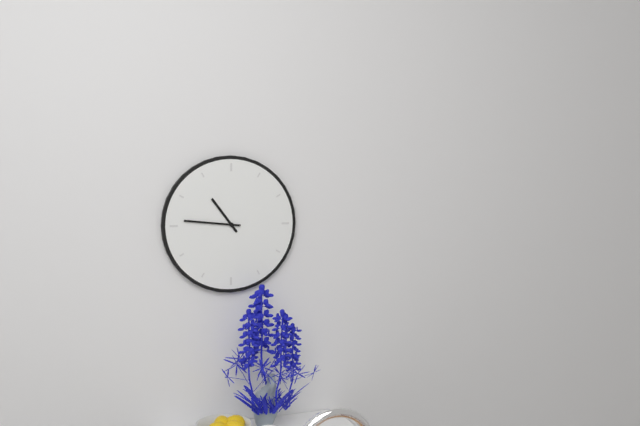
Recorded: 10 h 46 min
